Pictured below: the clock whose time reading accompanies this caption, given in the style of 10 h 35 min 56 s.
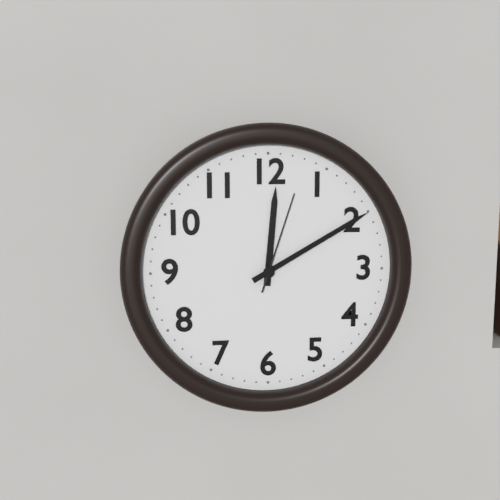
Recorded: 12 h 10 min 03 s
